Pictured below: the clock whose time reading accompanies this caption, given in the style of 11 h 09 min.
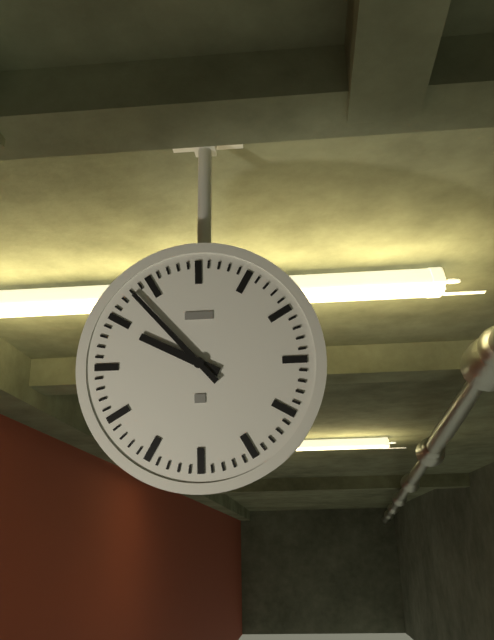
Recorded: 9 h 53 min
